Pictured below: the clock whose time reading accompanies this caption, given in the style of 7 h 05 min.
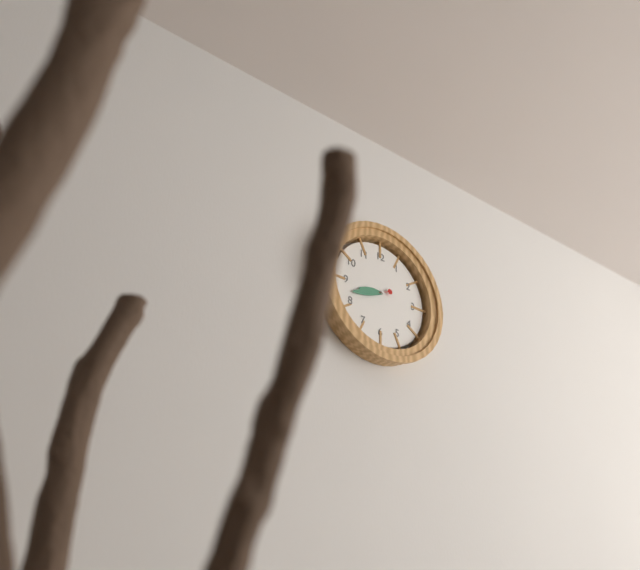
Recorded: 8 h 42 min
